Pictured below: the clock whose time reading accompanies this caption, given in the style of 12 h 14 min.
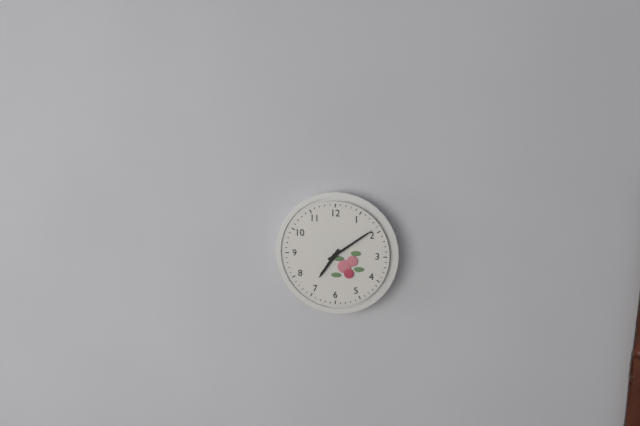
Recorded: 7 h 09 min
